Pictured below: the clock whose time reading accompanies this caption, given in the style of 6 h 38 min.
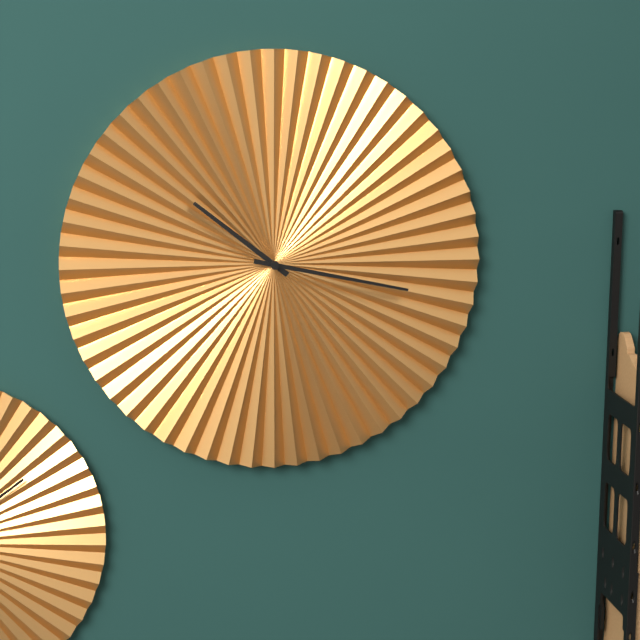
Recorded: 10 h 17 min
